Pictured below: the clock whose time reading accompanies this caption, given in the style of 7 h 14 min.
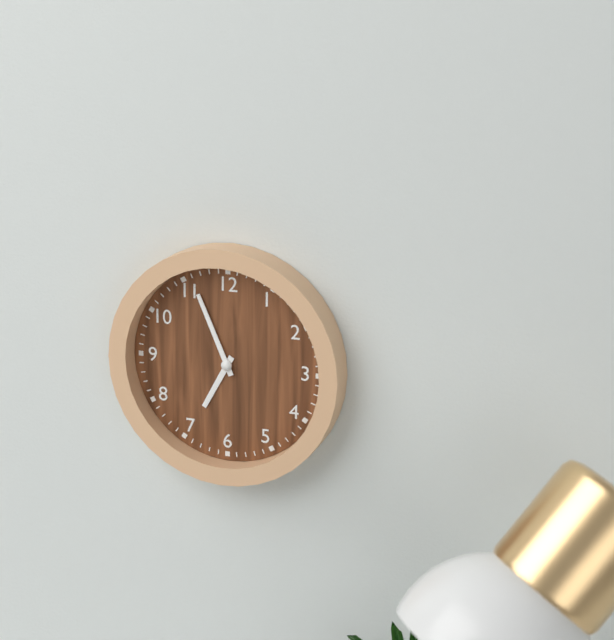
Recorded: 6 h 56 min
